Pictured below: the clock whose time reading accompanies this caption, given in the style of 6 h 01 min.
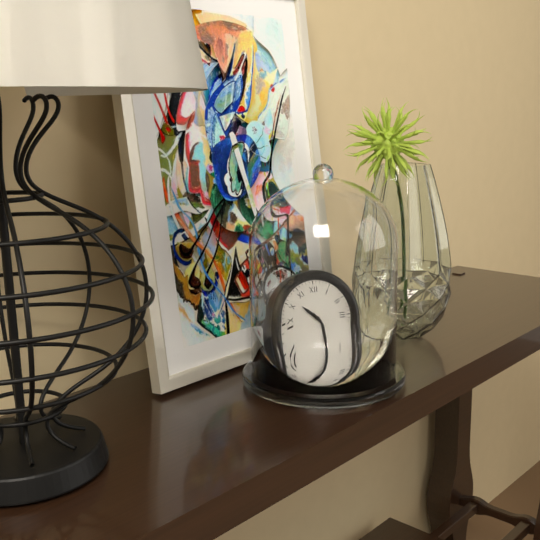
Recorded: 10 h 24 min
